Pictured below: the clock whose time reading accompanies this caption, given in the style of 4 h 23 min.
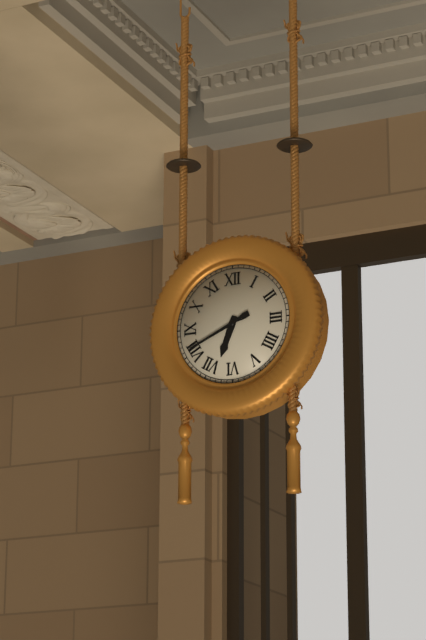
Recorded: 6 h 41 min
